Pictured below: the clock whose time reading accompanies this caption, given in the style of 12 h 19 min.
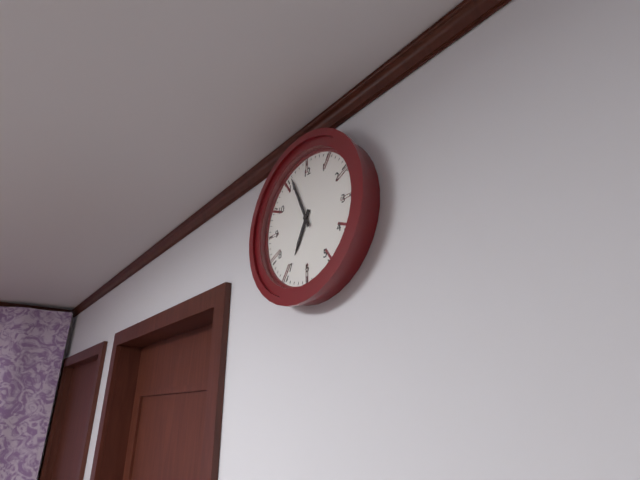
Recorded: 6 h 56 min
